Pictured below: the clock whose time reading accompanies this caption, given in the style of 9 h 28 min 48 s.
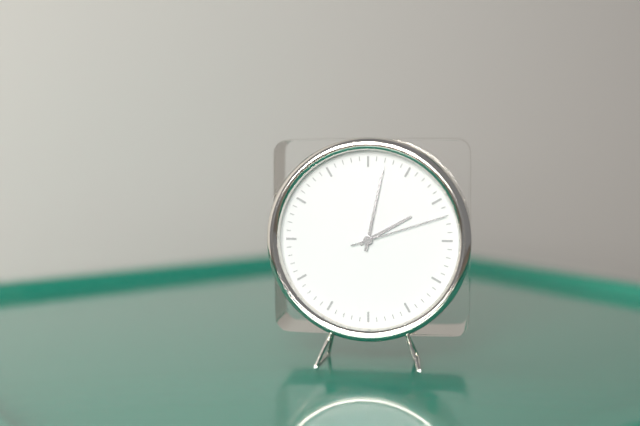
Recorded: 2 h 02 min 12 s
